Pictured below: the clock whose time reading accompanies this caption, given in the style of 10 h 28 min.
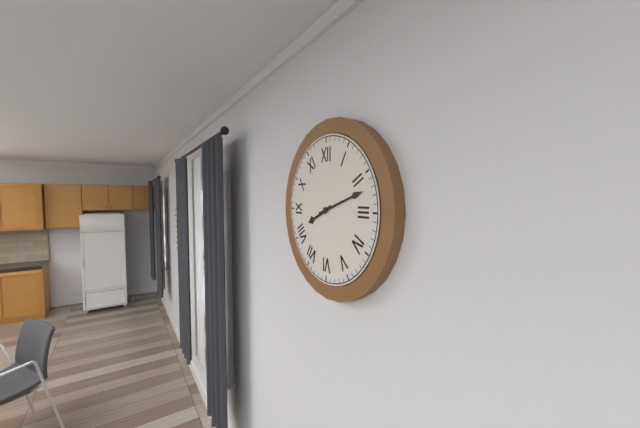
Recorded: 8 h 12 min
